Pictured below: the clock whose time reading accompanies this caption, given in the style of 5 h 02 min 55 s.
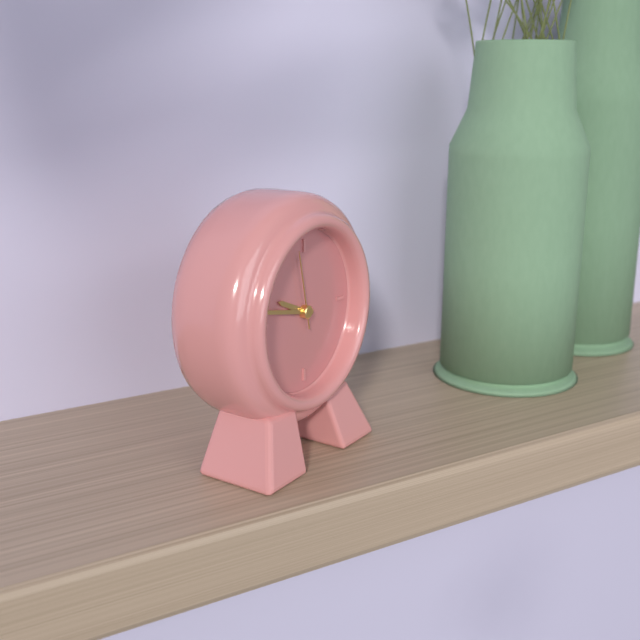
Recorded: 9 h 47 min 58 s
